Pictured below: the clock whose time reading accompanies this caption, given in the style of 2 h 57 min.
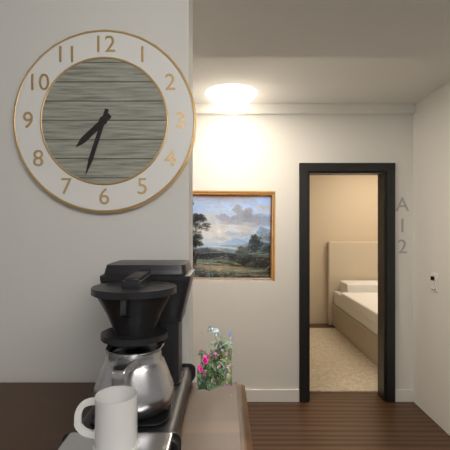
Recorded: 7 h 33 min
